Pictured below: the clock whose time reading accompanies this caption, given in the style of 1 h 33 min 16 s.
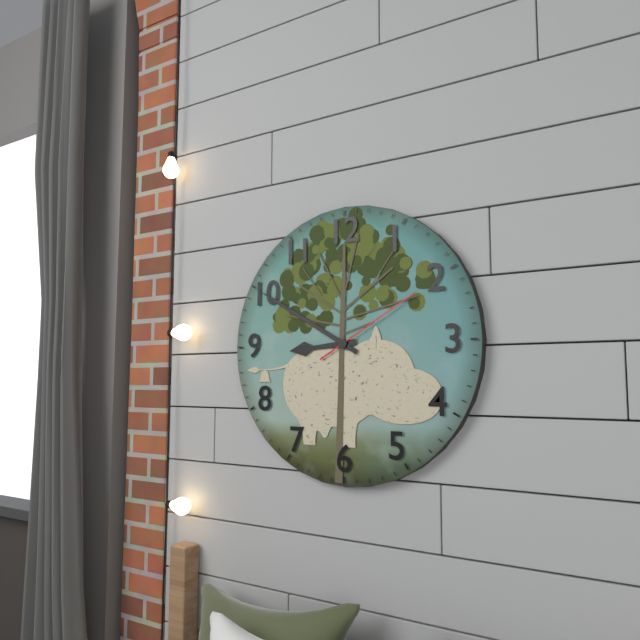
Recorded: 8 h 50 min 10 s
